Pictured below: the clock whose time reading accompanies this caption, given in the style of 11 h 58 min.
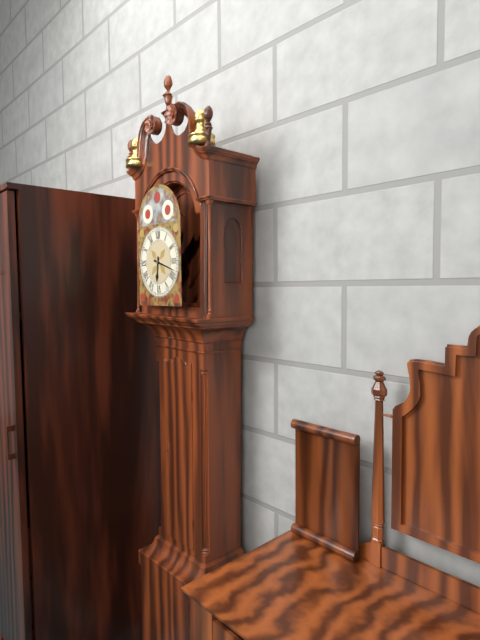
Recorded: 6 h 18 min
